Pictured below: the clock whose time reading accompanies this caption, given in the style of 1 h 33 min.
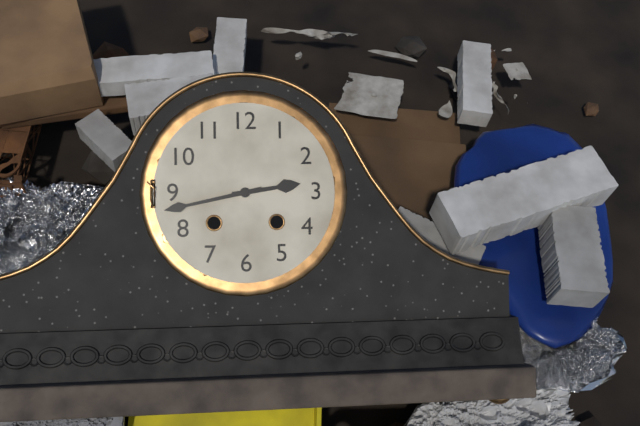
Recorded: 2 h 43 min
